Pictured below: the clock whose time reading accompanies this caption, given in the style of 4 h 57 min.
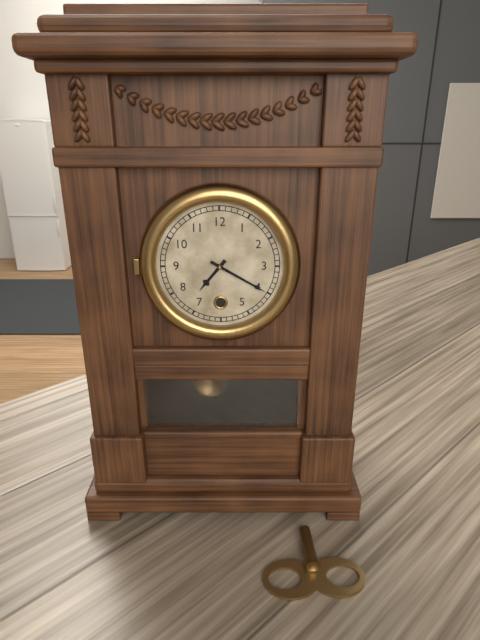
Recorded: 7 h 20 min
